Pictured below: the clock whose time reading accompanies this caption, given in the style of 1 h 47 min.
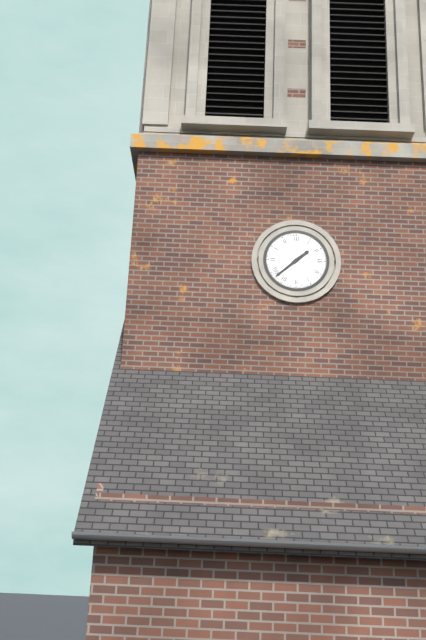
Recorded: 1 h 38 min
